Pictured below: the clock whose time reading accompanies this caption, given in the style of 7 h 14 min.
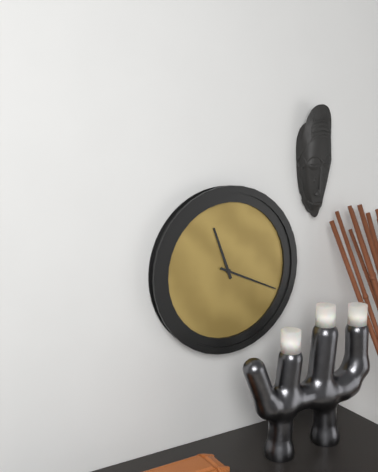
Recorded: 11 h 19 min
